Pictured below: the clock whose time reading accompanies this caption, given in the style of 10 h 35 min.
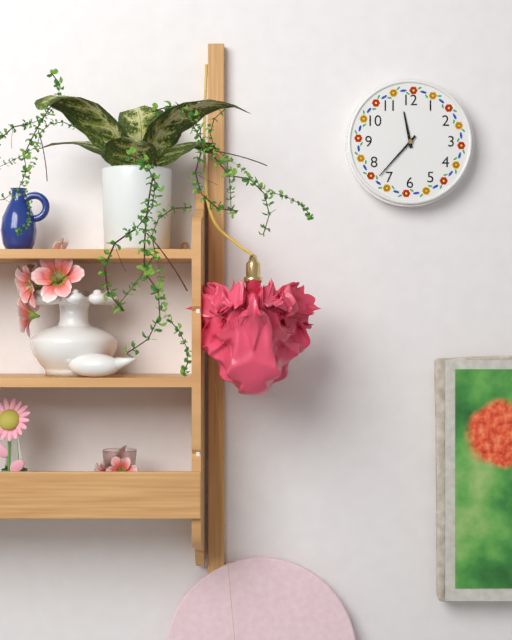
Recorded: 11 h 37 min
